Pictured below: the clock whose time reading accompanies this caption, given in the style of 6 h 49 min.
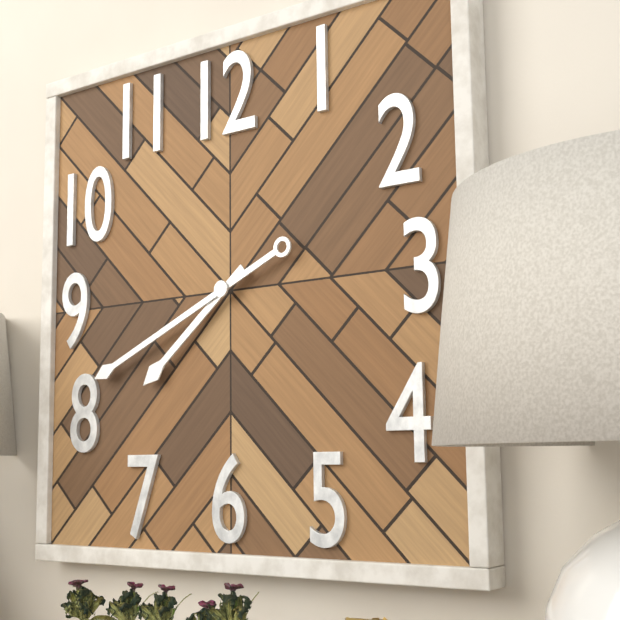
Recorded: 7 h 41 min
